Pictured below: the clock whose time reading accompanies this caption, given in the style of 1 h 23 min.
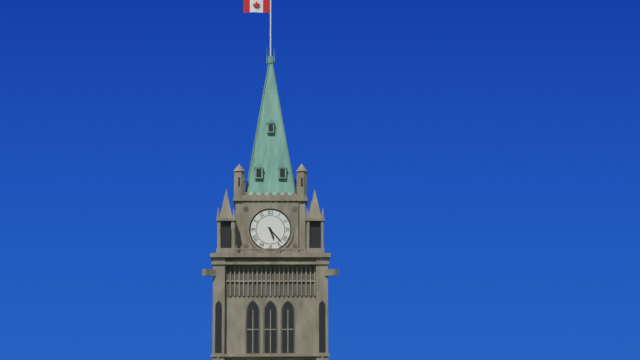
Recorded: 5 h 23 min
